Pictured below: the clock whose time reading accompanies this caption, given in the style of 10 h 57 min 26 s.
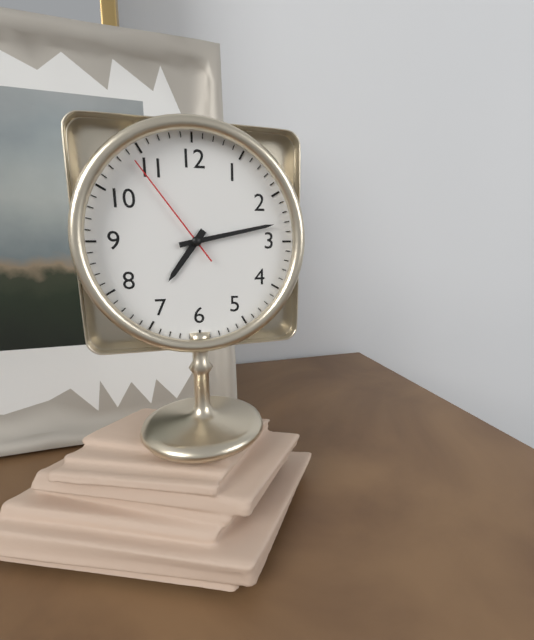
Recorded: 7 h 13 min 54 s
